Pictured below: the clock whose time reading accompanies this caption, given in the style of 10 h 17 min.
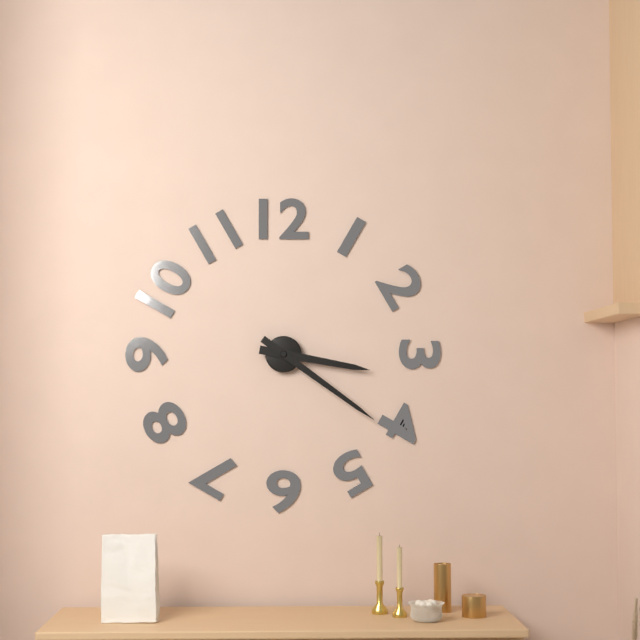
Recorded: 3 h 21 min
